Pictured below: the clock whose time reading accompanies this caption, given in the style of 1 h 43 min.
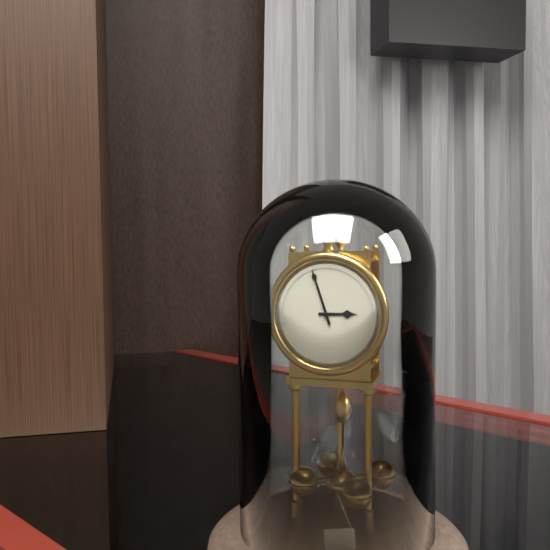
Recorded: 2 h 57 min
